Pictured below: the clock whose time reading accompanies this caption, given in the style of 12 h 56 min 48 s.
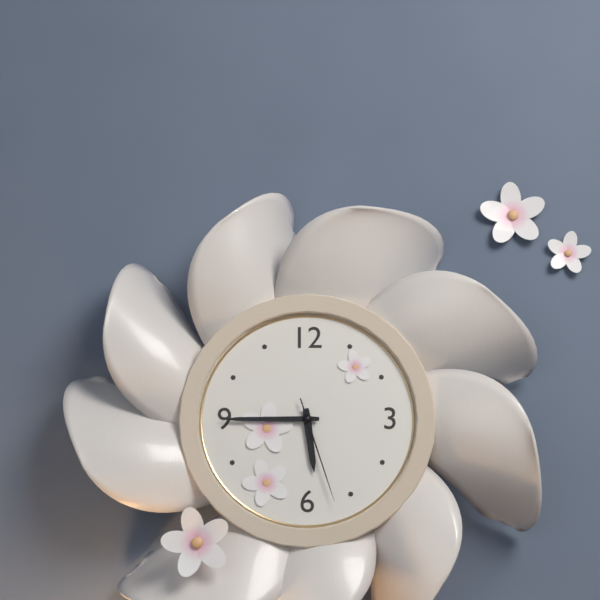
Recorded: 5 h 45 min 27 s
